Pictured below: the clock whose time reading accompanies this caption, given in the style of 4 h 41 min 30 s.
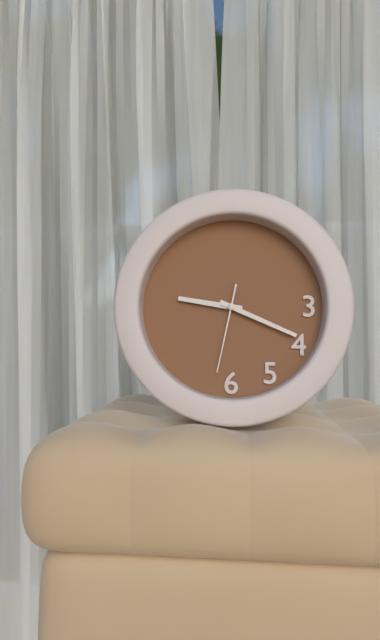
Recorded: 9 h 19 min 32 s
